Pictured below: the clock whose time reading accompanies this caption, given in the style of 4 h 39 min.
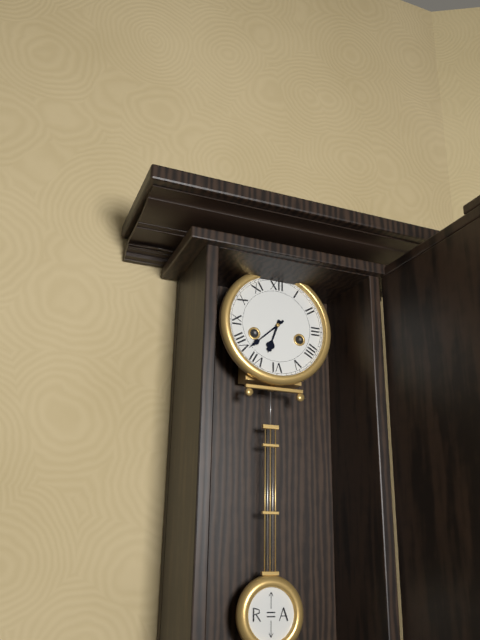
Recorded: 6 h 38 min
